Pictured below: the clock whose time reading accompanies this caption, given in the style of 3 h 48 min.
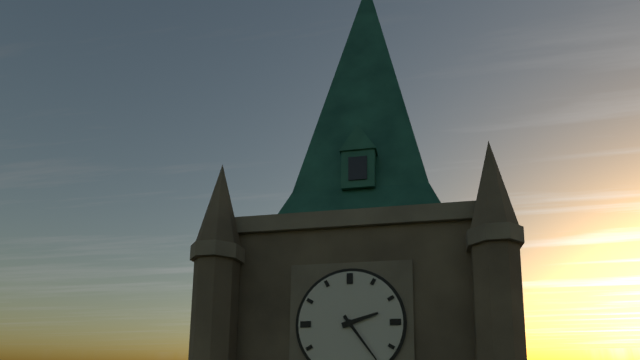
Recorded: 2 h 24 min
